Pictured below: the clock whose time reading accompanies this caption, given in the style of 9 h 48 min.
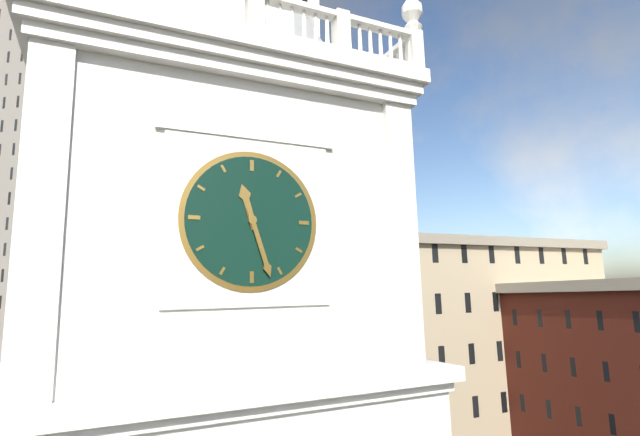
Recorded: 11 h 27 min
